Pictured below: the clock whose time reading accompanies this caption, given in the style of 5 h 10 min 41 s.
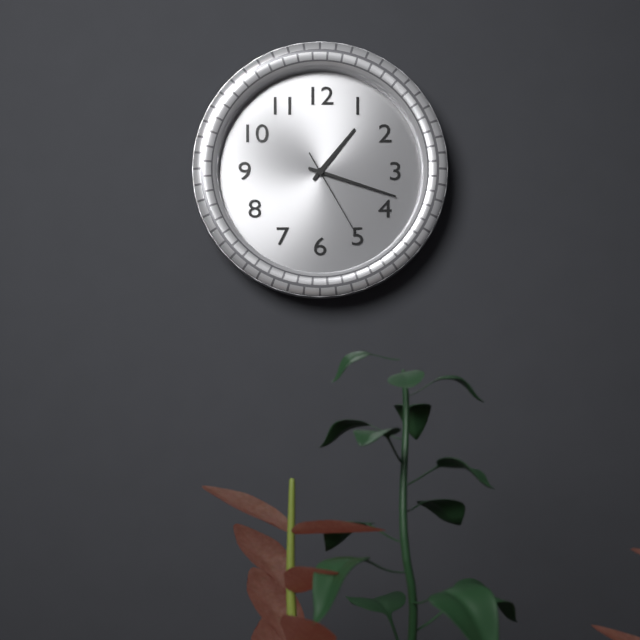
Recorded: 1 h 18 min 25 s
